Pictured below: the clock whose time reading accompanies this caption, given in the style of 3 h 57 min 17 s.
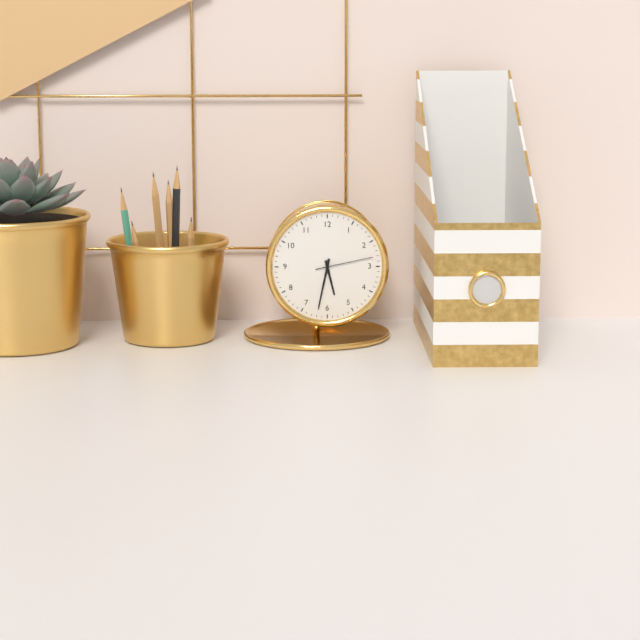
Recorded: 5 h 32 min 13 s
